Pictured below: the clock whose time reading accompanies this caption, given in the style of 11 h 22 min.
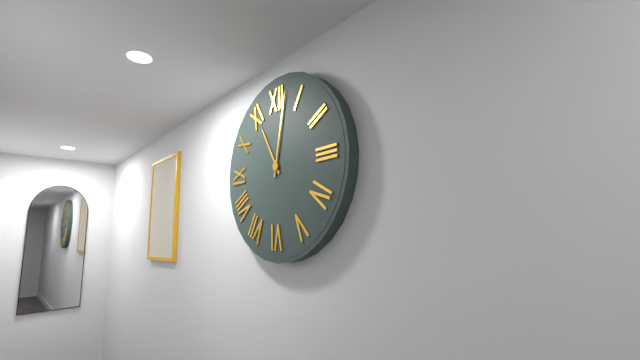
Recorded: 11 h 02 min
